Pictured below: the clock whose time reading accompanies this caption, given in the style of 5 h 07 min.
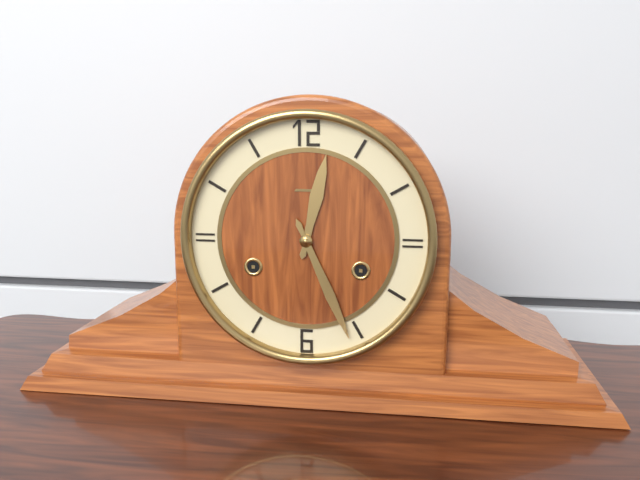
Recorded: 12 h 26 min
